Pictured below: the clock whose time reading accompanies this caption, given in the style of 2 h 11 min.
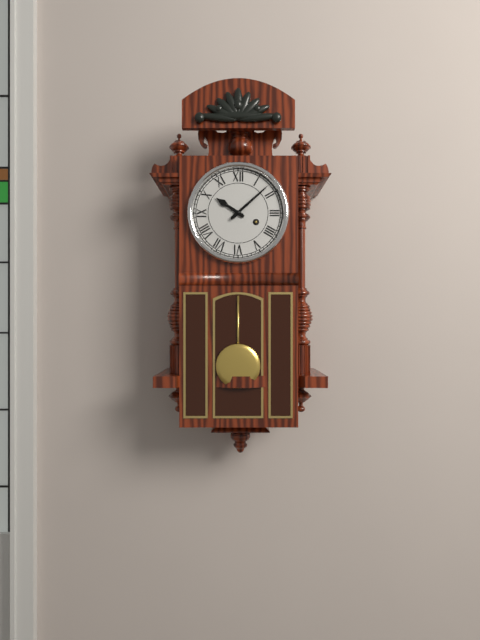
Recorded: 10 h 08 min
